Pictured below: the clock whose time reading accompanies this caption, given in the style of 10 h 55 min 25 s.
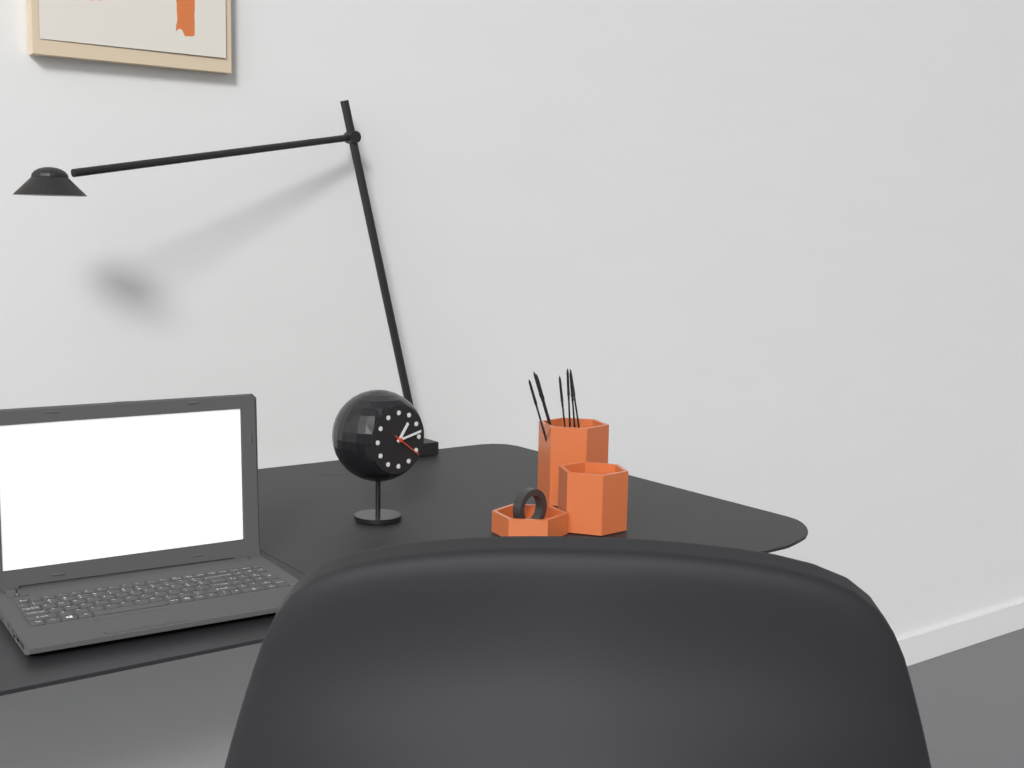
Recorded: 1 h 13 min 21 s
